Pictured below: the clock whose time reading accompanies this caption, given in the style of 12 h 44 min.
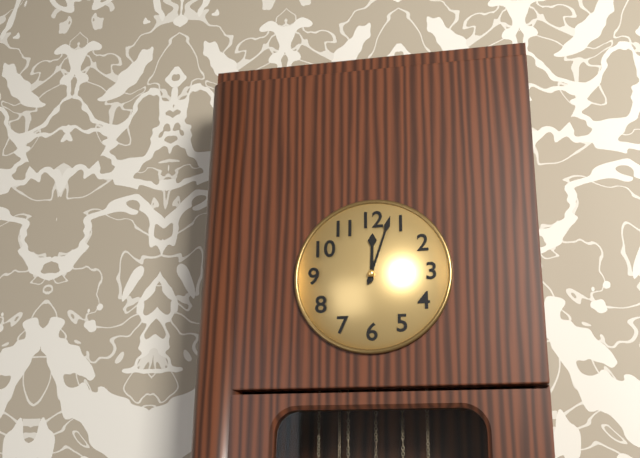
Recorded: 12 h 03 min
